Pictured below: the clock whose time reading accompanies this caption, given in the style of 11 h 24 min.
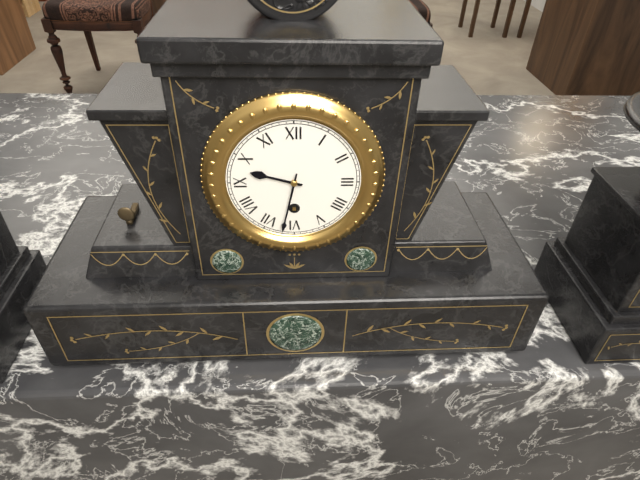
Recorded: 9 h 32 min
